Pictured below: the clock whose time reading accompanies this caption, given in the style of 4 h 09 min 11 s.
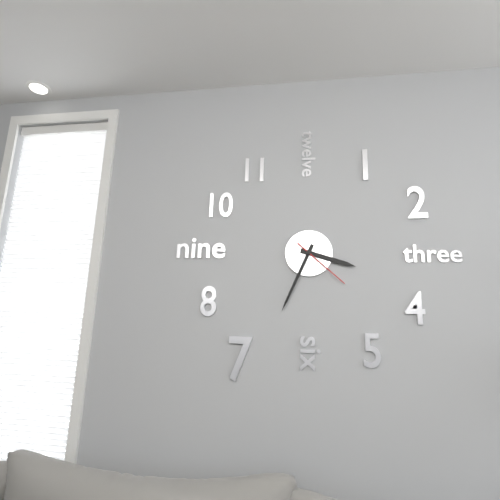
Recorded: 3 h 34 min 22 s
